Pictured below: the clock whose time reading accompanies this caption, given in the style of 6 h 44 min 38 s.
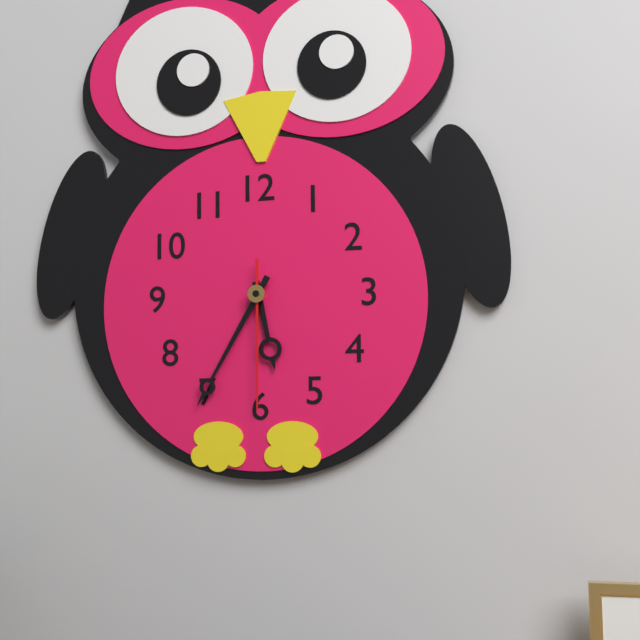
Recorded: 5 h 35 min 30 s
